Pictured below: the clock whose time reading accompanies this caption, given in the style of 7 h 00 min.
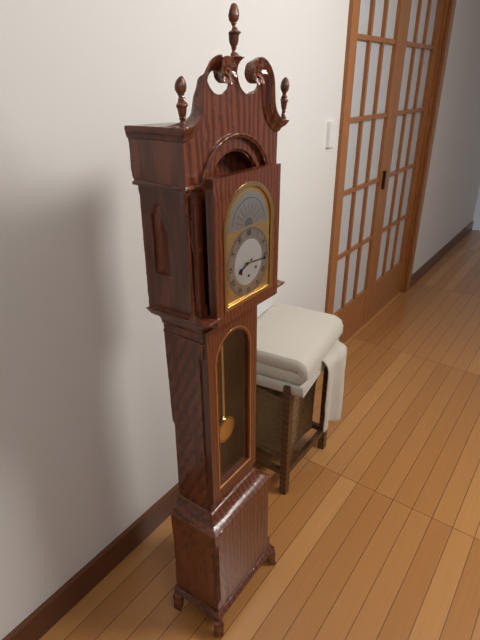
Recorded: 8 h 16 min
